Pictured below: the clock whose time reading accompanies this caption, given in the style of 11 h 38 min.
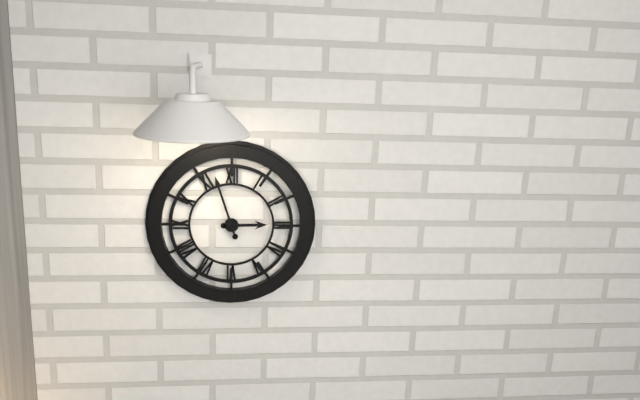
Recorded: 2 h 57 min
